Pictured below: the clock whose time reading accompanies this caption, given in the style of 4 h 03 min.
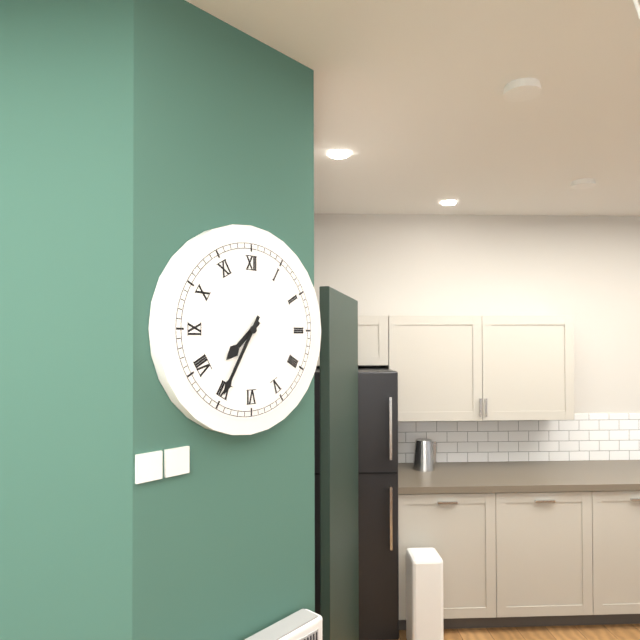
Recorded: 7 h 35 min
